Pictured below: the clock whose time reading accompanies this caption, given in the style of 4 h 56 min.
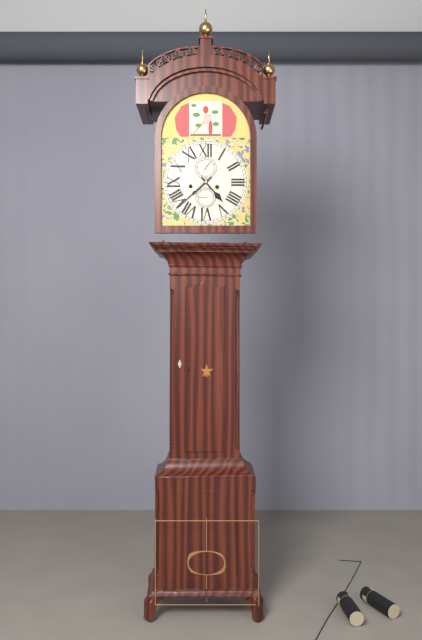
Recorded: 4 h 38 min
